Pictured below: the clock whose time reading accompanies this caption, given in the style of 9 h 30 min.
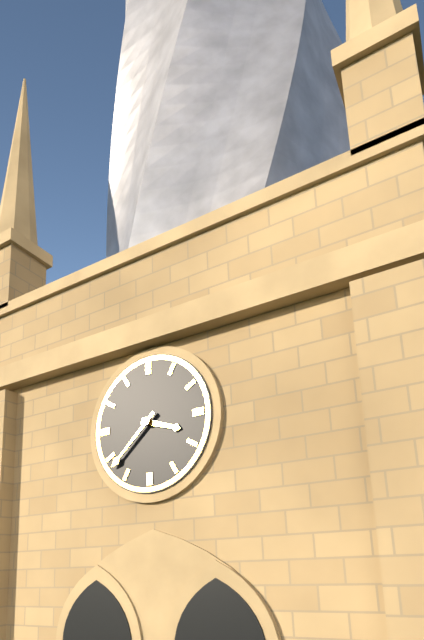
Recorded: 3 h 38 min
